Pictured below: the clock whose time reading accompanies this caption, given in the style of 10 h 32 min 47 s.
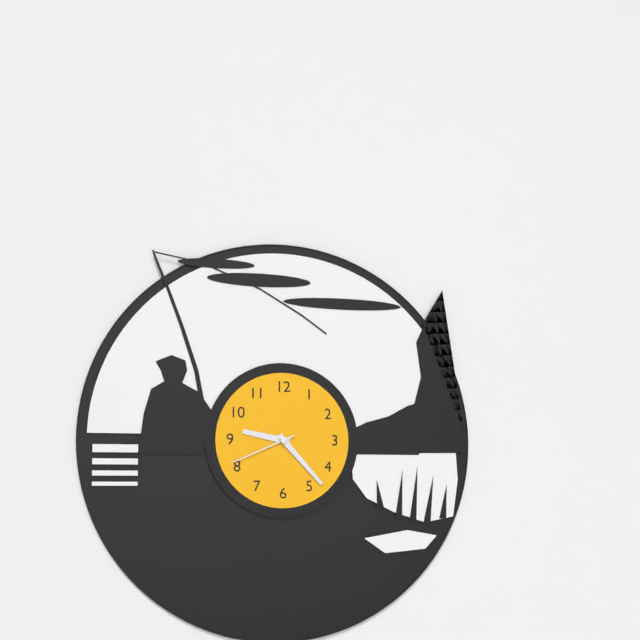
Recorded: 9 h 23 min 41 s
